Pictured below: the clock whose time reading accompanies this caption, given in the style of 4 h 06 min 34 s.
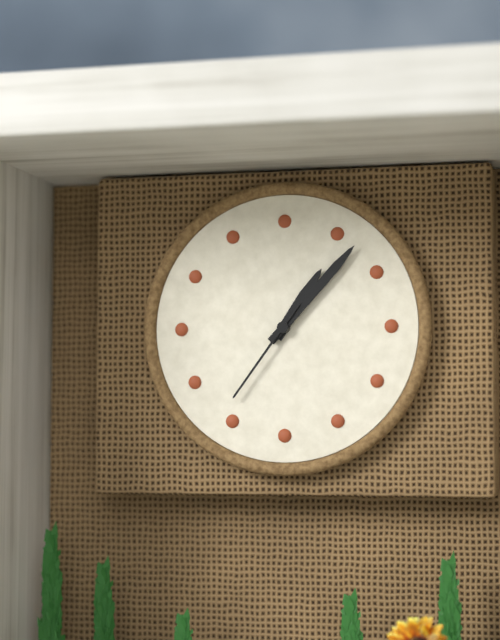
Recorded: 1 h 07 min 36 s
